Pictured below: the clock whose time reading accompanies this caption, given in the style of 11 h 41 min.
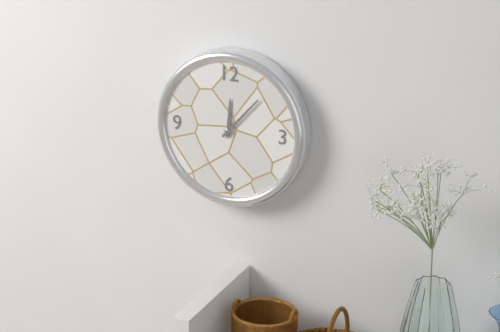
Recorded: 12 h 07 min
